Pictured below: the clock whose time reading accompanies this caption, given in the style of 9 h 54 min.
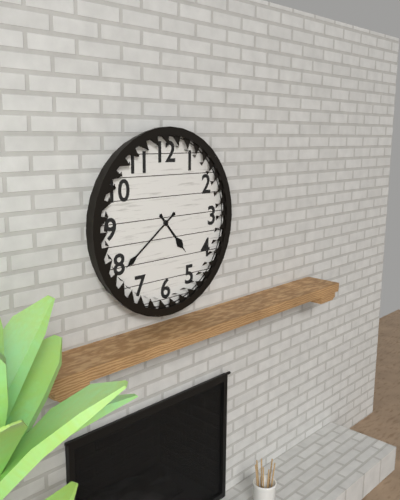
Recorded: 4 h 39 min
